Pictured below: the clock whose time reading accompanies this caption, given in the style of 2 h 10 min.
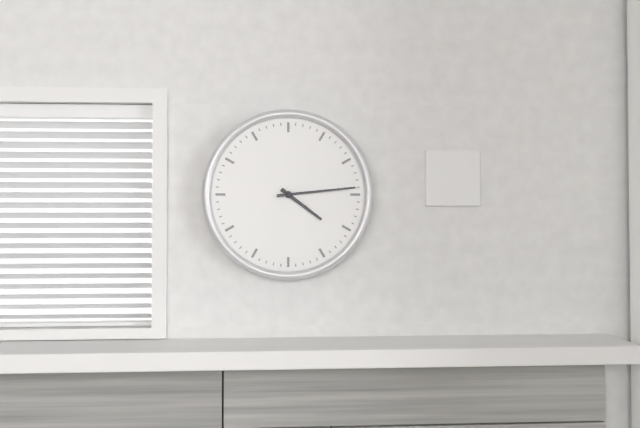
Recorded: 4 h 14 min
